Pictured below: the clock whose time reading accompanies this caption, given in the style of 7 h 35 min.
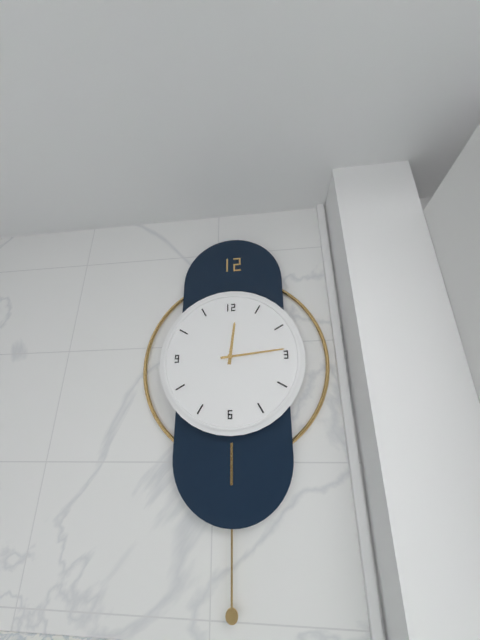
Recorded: 12 h 14 min
